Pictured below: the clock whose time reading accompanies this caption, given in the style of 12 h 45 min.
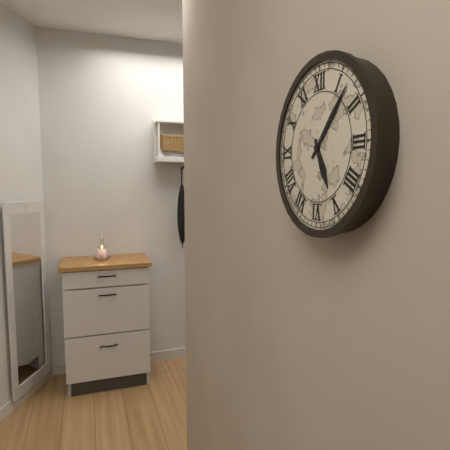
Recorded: 5 h 07 min
